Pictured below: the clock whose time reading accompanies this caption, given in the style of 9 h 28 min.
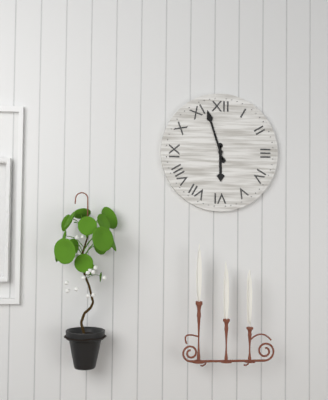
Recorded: 5 h 57 min
